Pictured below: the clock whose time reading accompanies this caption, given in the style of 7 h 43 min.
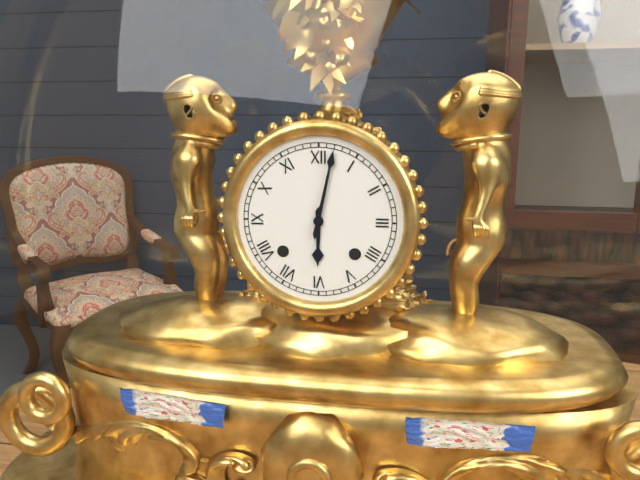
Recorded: 6 h 02 min
